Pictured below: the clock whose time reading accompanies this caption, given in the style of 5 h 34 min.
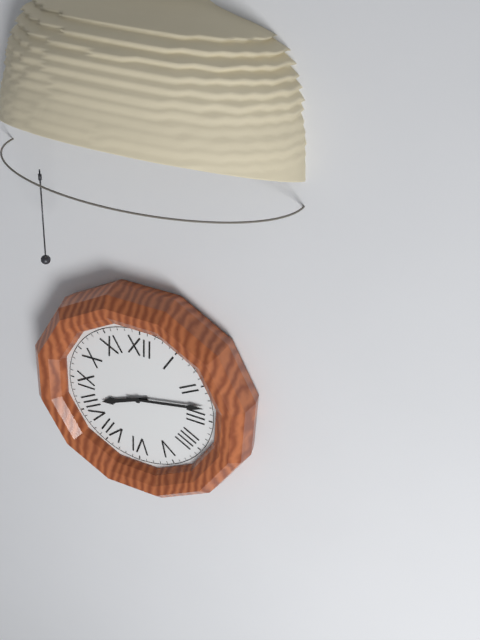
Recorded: 8 h 13 min
